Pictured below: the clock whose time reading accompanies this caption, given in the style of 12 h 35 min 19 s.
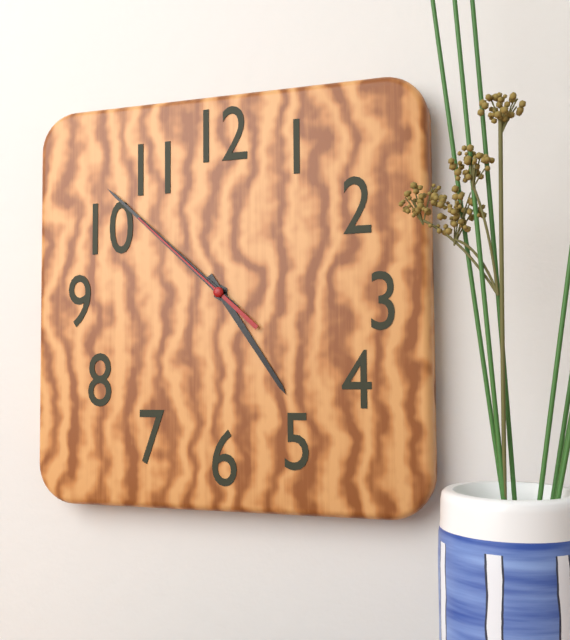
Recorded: 4 h 52 min 52 s
